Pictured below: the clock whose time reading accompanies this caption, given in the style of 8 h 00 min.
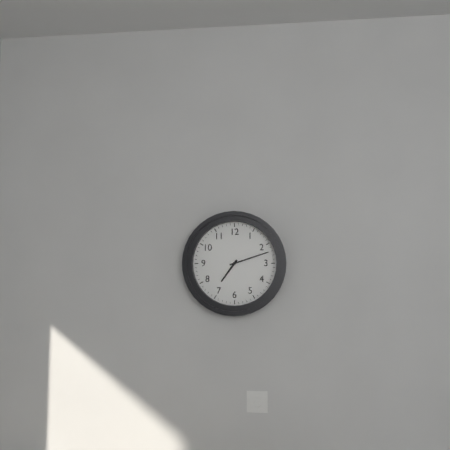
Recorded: 7 h 12 min
